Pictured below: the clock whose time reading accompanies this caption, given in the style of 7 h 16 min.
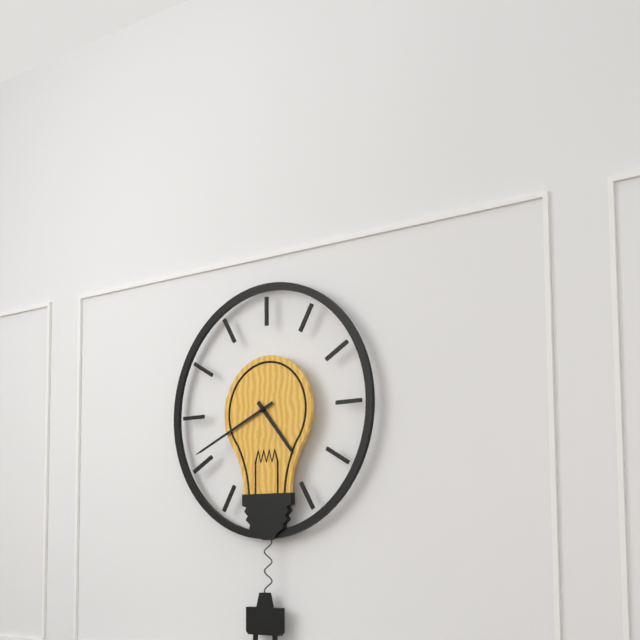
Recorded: 4 h 41 min
